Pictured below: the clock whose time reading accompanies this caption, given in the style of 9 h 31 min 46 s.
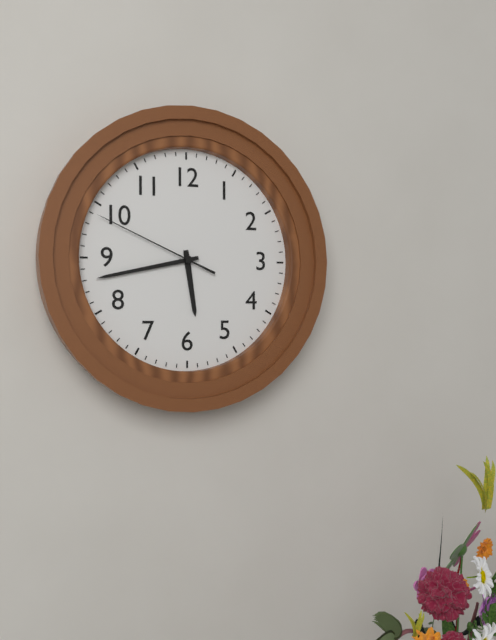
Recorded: 5 h 43 min 49 s
